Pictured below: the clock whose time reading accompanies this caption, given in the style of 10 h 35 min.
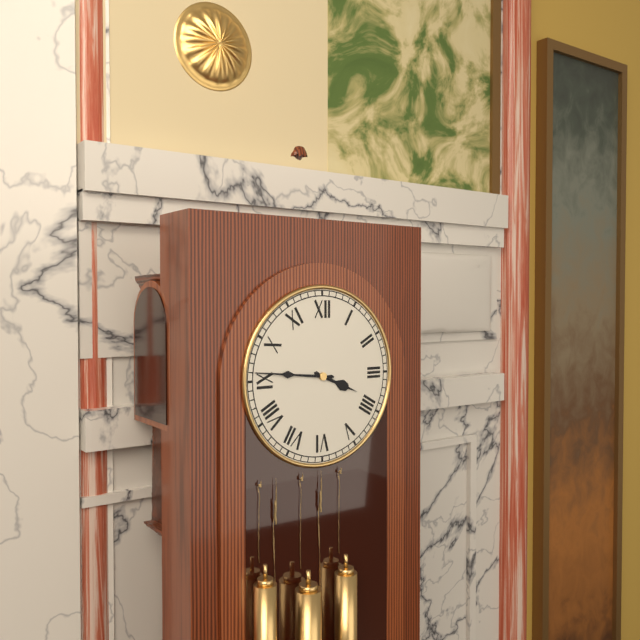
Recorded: 3 h 46 min
